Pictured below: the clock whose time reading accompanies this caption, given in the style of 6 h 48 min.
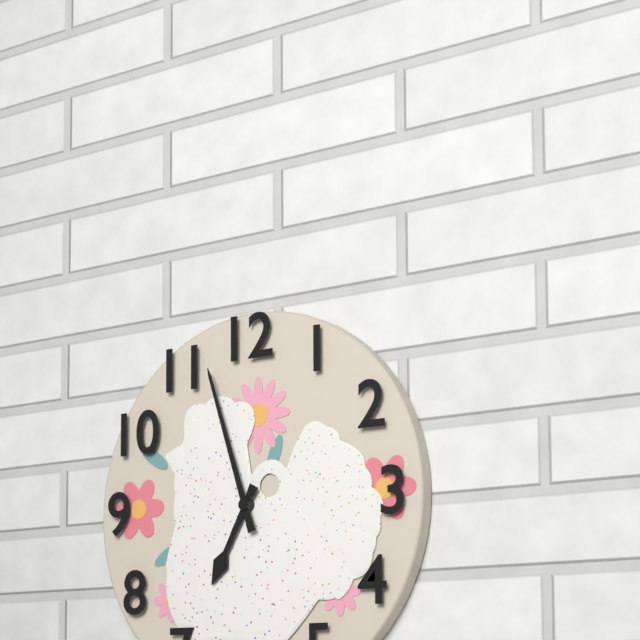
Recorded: 6 h 57 min
